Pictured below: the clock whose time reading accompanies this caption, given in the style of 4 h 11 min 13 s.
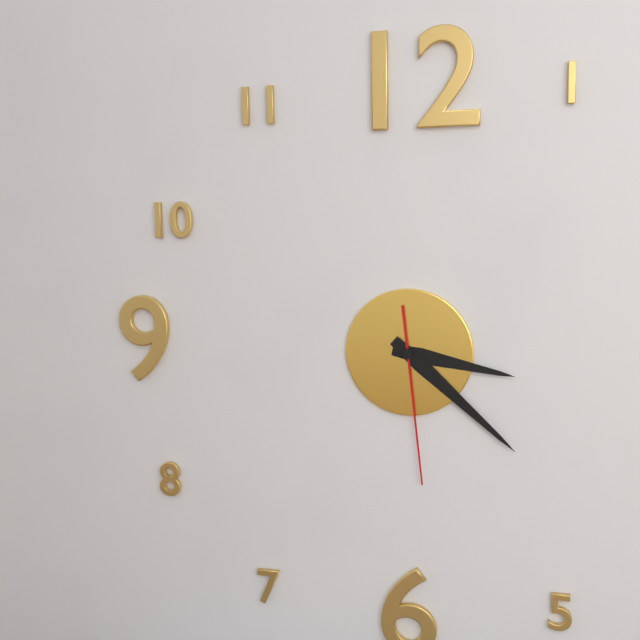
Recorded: 3 h 22 min 29 s
